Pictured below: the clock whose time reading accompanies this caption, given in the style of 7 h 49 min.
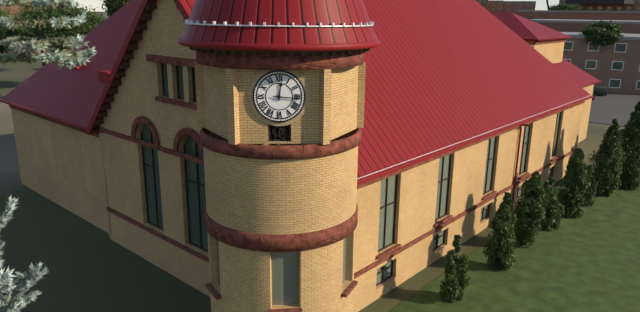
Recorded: 12 h 16 min
